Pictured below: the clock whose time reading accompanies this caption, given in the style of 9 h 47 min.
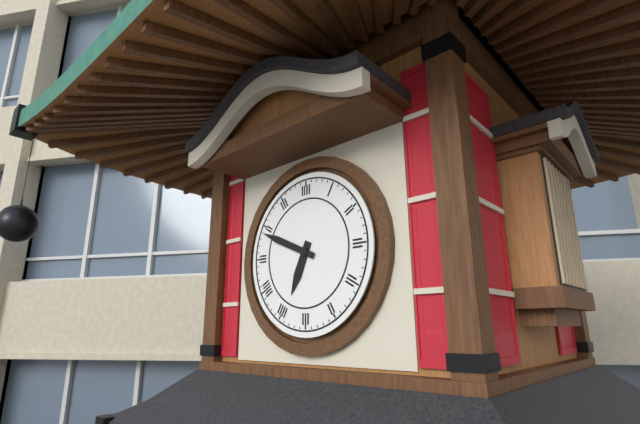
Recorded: 6 h 49 min
